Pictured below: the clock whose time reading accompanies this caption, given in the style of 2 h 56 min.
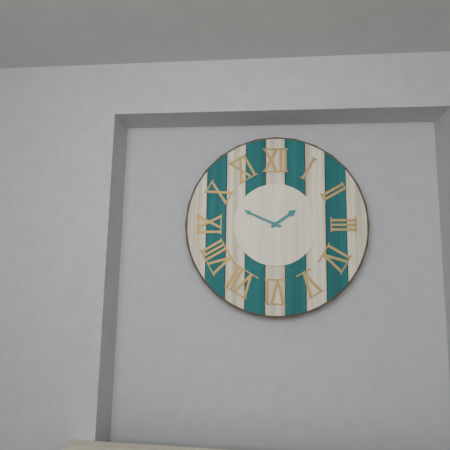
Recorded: 1 h 49 min
